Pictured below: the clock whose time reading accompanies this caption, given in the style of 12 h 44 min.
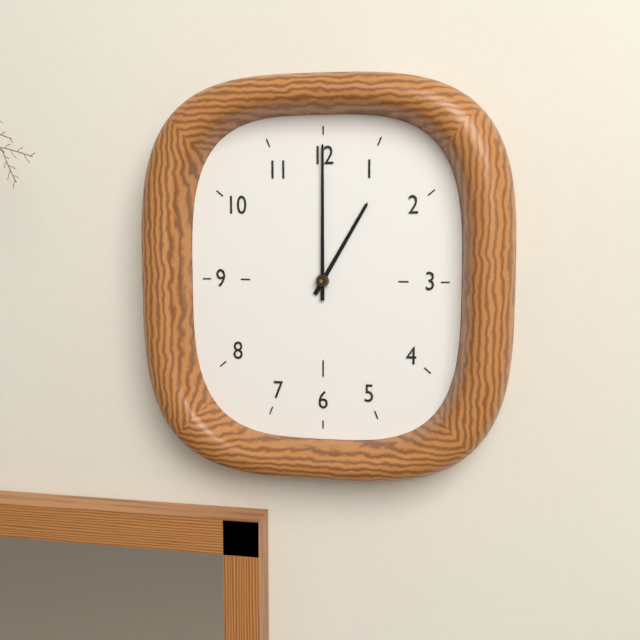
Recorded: 1 h 00 min
